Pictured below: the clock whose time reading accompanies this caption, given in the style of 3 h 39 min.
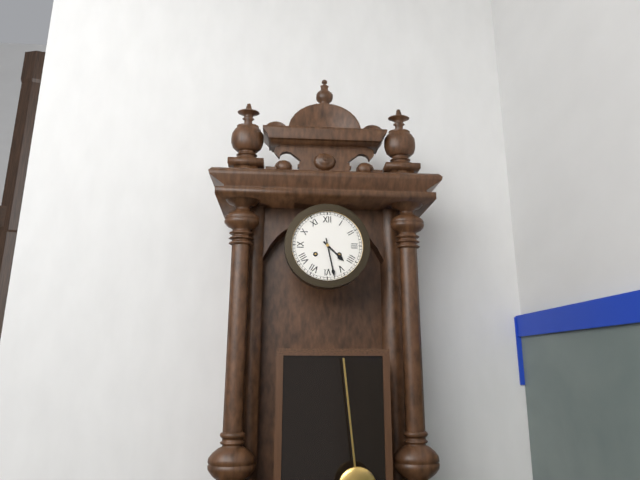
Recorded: 4 h 28 min
